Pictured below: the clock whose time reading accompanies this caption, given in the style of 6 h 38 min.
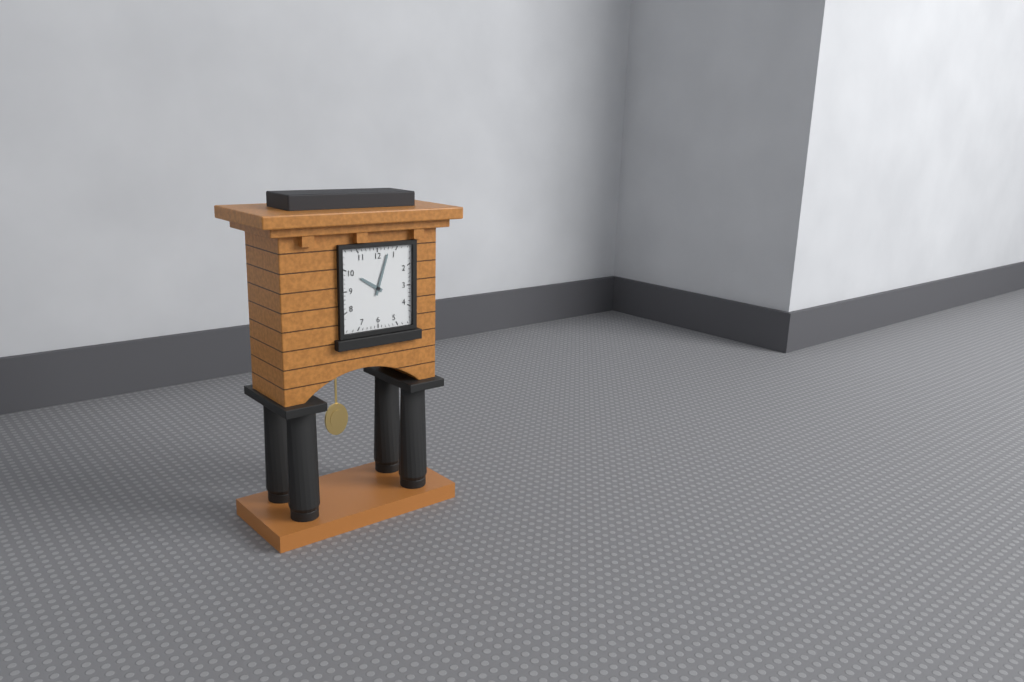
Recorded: 10 h 03 min
